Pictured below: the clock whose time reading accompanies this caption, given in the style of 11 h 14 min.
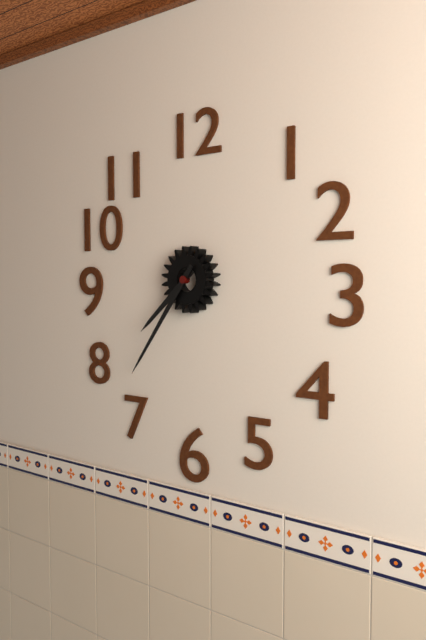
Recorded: 7 h 36 min
